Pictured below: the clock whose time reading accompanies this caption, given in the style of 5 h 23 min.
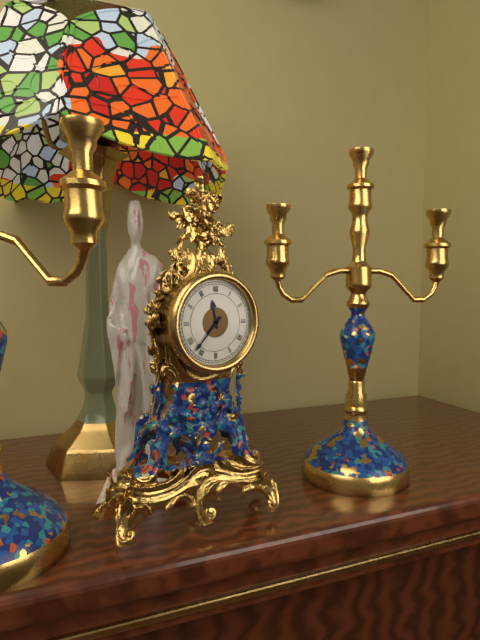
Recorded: 11 h 37 min
